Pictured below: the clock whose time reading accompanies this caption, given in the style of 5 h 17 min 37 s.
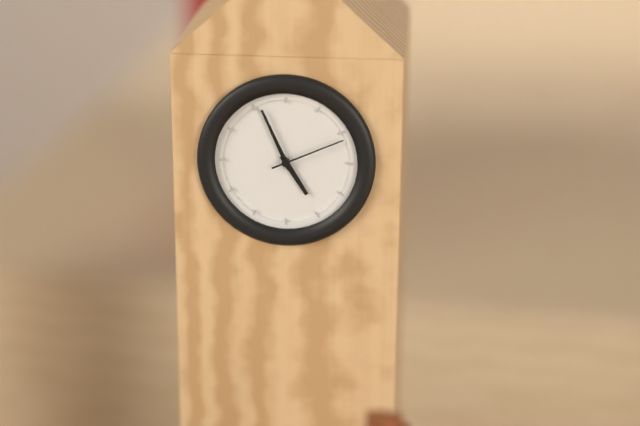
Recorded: 4 h 56 min 11 s
